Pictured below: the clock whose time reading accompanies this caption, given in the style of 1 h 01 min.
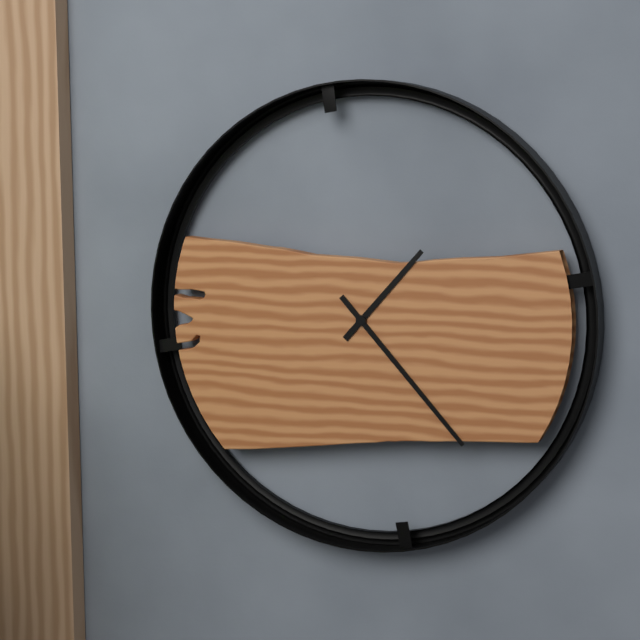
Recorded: 1 h 23 min
